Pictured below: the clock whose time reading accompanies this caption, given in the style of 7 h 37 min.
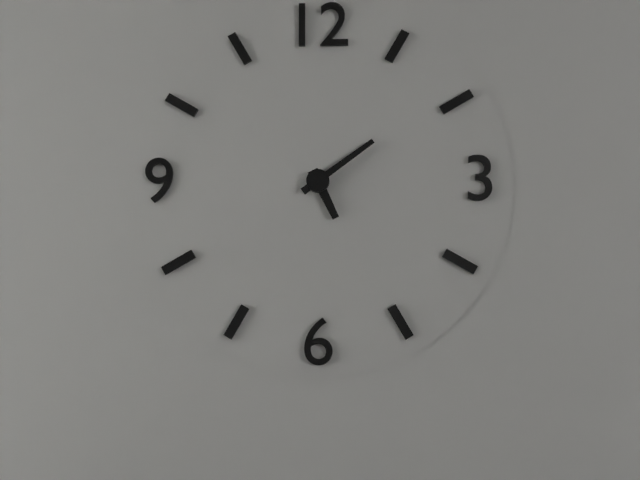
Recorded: 5 h 09 min
